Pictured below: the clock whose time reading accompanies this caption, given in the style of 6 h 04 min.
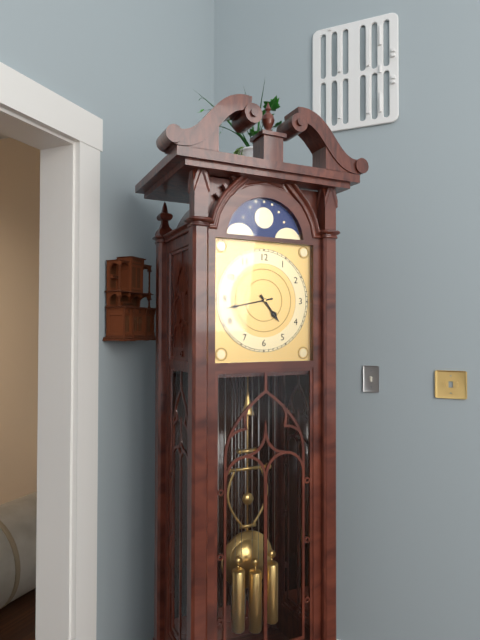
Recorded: 4 h 43 min
